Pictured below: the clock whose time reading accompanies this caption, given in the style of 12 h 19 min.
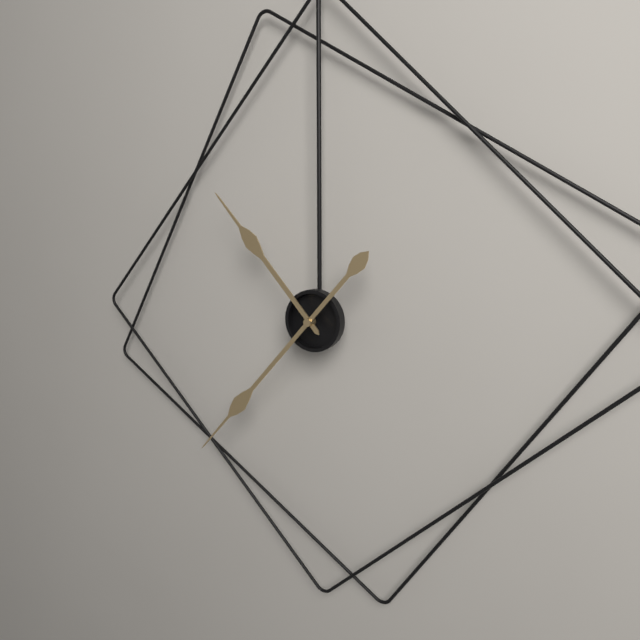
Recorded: 10 h 37 min
